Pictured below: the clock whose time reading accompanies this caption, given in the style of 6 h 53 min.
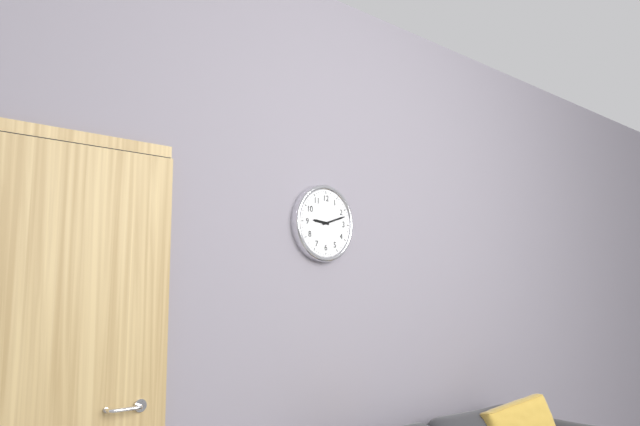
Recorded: 9 h 12 min
